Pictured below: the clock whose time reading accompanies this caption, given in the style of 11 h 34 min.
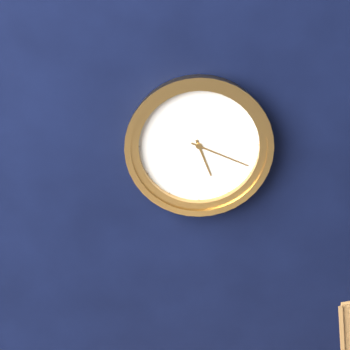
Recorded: 5 h 19 min
